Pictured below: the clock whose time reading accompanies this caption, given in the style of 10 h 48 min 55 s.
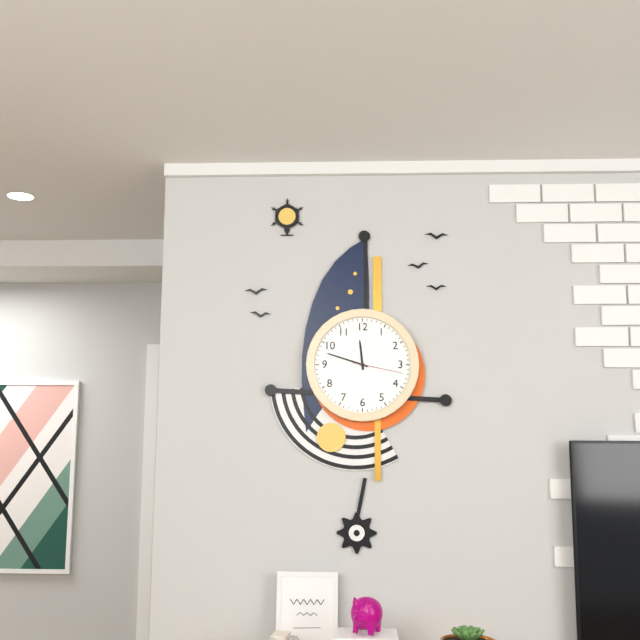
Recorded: 11 h 48 min 17 s
